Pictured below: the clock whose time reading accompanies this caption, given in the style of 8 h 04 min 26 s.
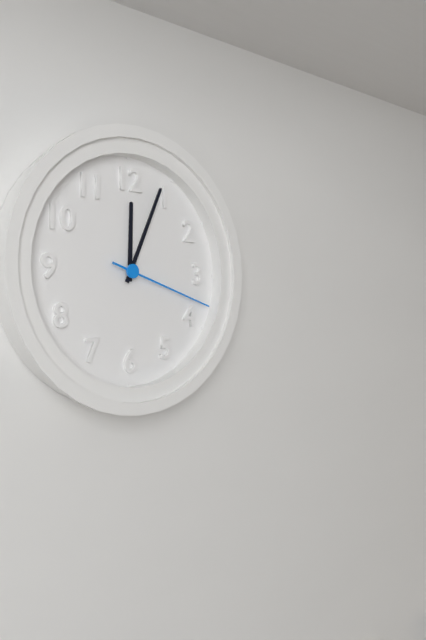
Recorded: 12 h 04 min 18 s
